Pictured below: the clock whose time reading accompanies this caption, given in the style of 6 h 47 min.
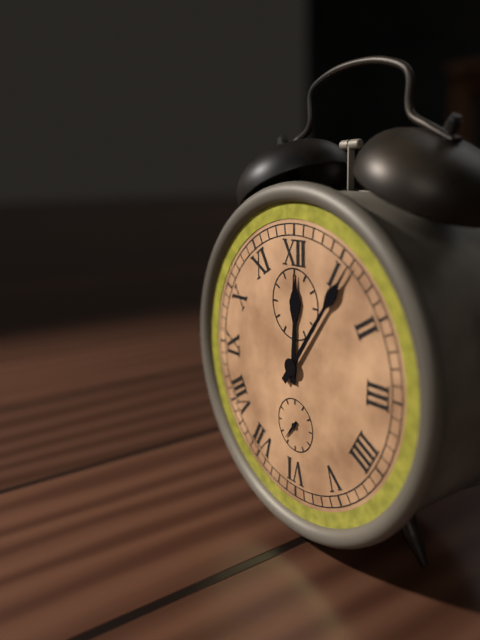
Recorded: 12 h 06 min
